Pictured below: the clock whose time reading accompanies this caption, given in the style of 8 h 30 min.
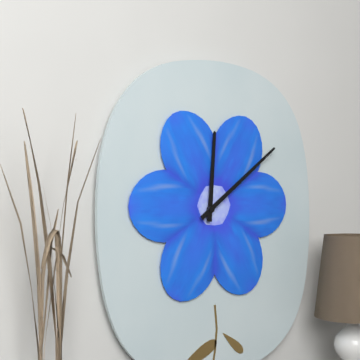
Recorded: 12 h 09 min
